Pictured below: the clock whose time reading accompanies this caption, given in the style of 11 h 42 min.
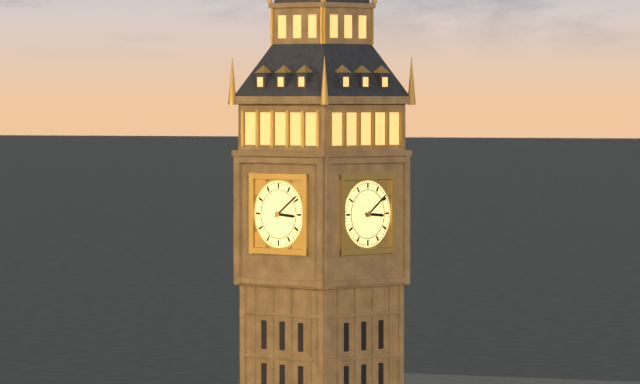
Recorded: 3 h 09 min
